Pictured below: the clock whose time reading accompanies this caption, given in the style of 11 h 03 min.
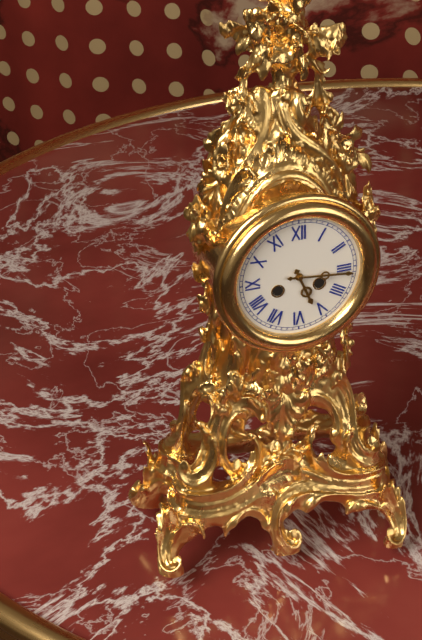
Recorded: 5 h 16 min
